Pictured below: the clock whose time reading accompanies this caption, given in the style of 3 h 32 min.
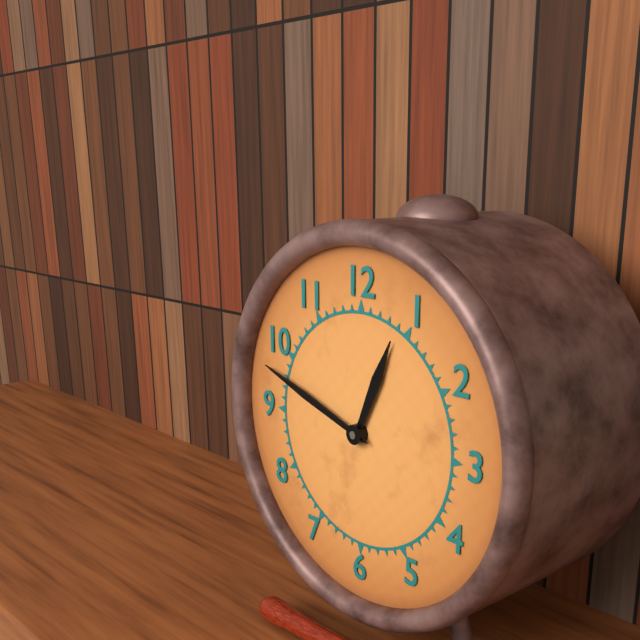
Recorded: 12 h 48 min
